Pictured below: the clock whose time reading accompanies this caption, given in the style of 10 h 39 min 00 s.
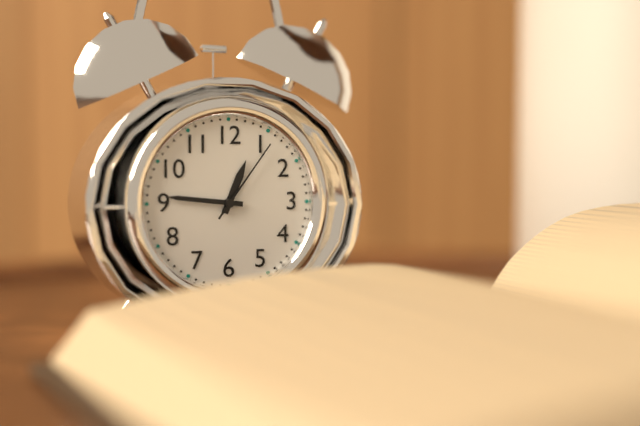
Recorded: 12 h 46 min 06 s
